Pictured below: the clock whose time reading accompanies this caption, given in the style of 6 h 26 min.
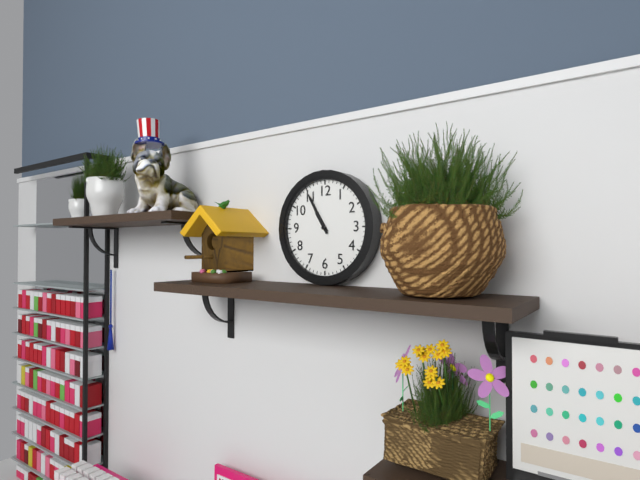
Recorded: 10 h 55 min
